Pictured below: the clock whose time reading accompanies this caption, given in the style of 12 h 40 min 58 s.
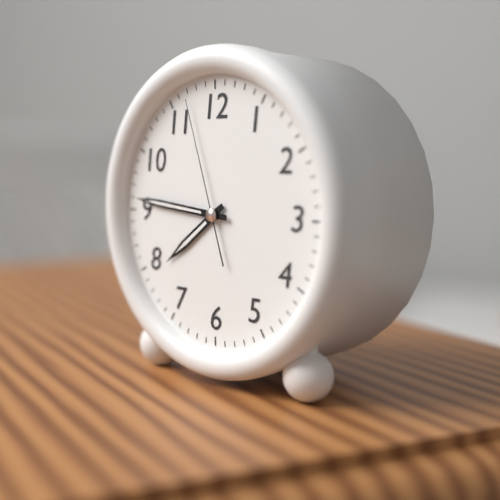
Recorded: 7 h 46 min 57 s
